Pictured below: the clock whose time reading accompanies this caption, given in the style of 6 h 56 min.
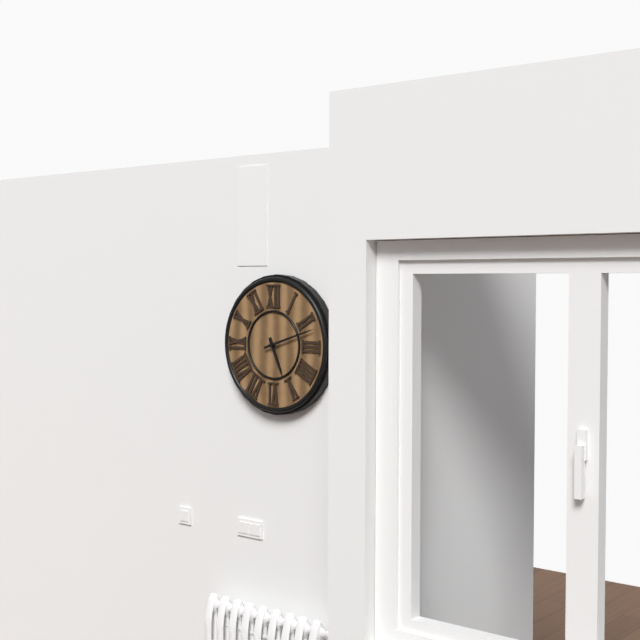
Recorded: 5 h 12 min
